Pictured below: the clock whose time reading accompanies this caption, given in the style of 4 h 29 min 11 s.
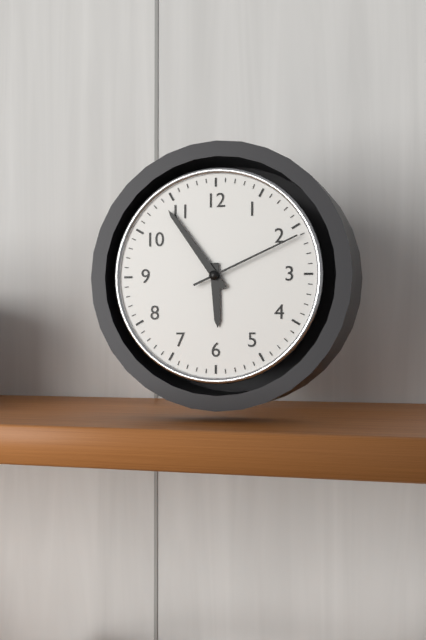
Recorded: 5 h 54 min 11 s
